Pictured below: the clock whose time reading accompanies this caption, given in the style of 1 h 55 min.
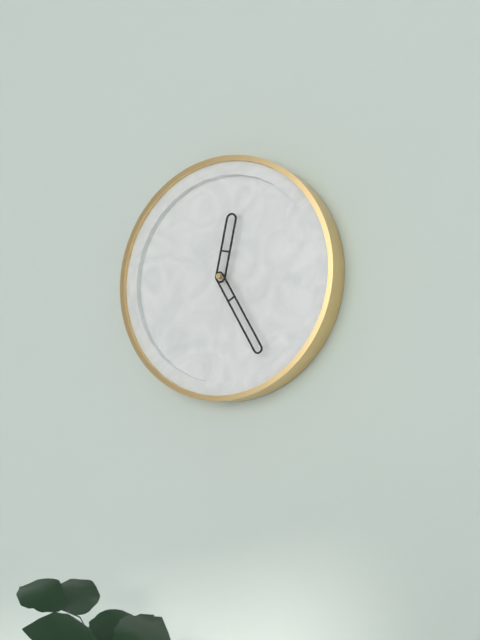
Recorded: 12 h 25 min
